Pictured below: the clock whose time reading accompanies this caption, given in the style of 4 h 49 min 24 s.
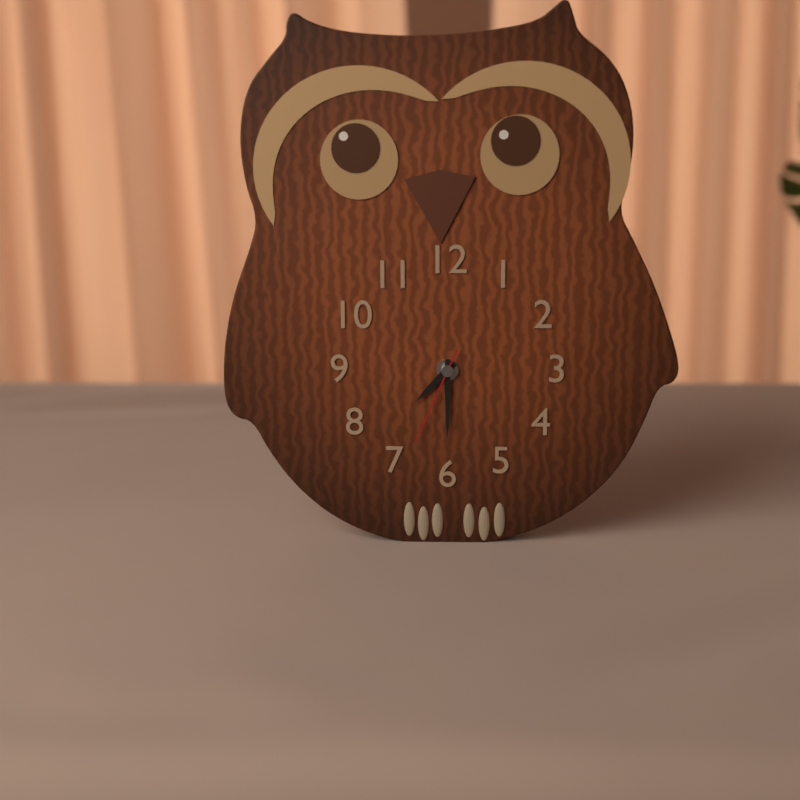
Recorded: 7 h 30 min 34 s
